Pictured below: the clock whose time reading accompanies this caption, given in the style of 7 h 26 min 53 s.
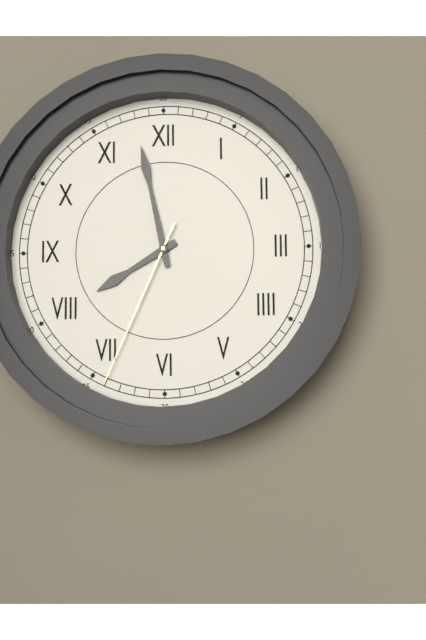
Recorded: 7 h 58 min 34 s
